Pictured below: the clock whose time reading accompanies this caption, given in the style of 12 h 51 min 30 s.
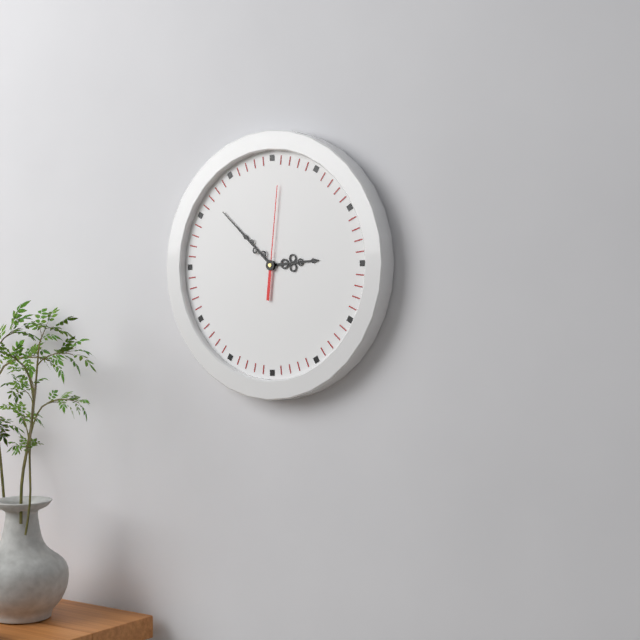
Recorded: 2 h 52 min 01 s
